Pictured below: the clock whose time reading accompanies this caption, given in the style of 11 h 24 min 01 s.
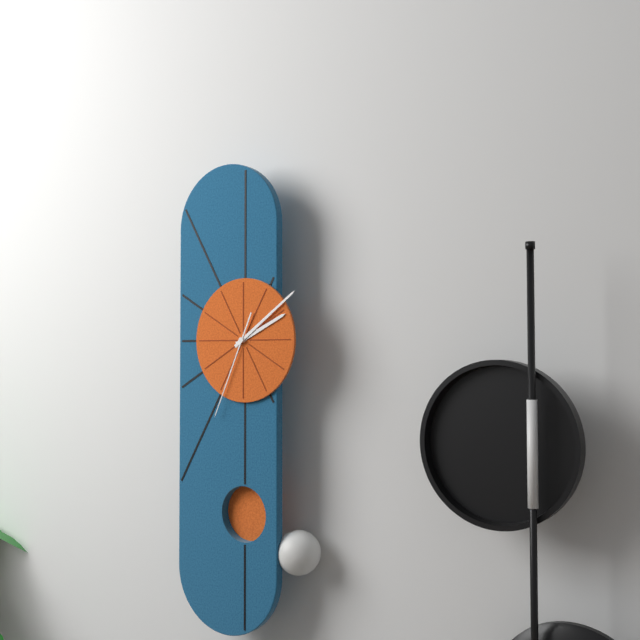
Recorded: 2 h 09 min 34 s
